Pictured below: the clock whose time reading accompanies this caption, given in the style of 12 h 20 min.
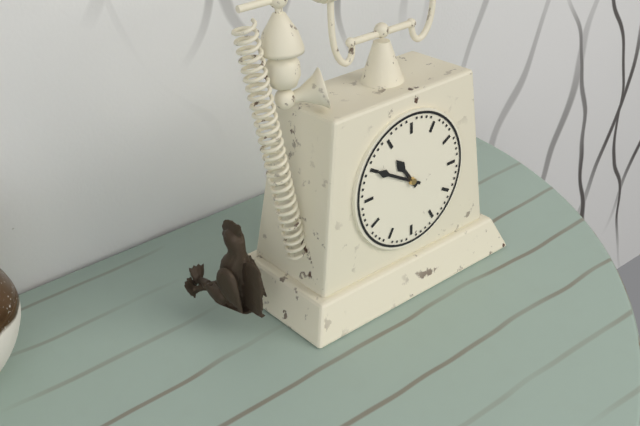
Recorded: 10 h 50 min
